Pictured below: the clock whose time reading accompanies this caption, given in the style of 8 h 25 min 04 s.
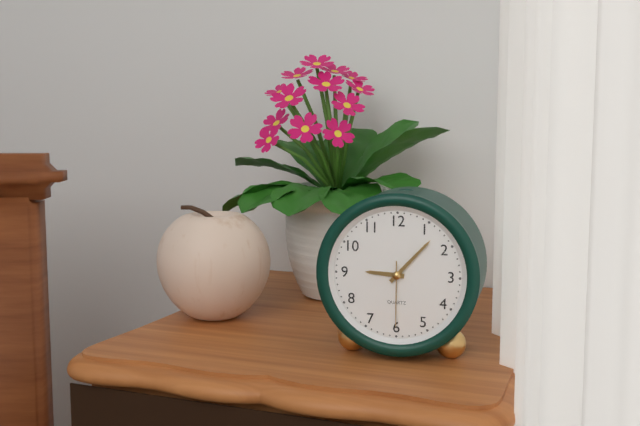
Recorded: 9 h 07 min 30 s
